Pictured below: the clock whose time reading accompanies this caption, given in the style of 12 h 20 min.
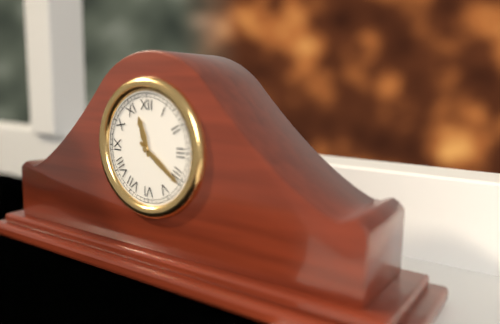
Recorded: 11 h 21 min
